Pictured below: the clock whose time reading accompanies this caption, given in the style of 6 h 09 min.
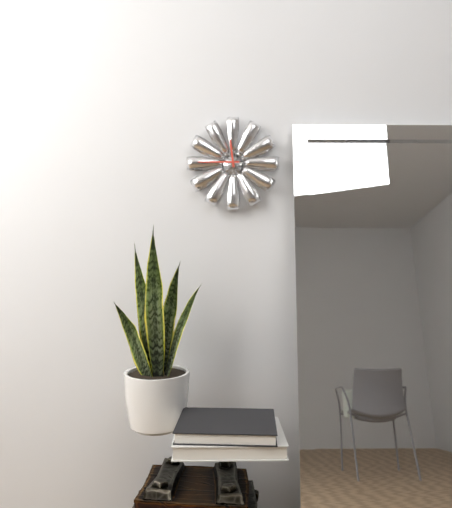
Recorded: 11 h 45 min
